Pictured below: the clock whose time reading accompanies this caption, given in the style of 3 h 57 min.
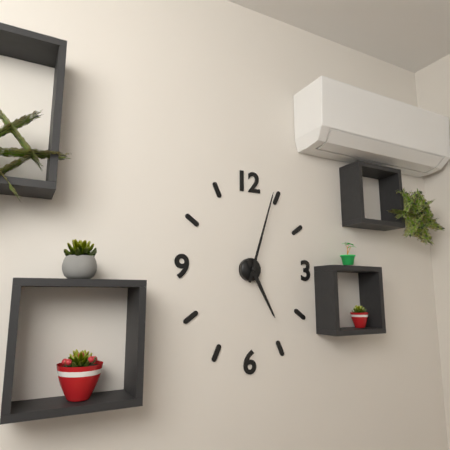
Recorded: 5 h 03 min
